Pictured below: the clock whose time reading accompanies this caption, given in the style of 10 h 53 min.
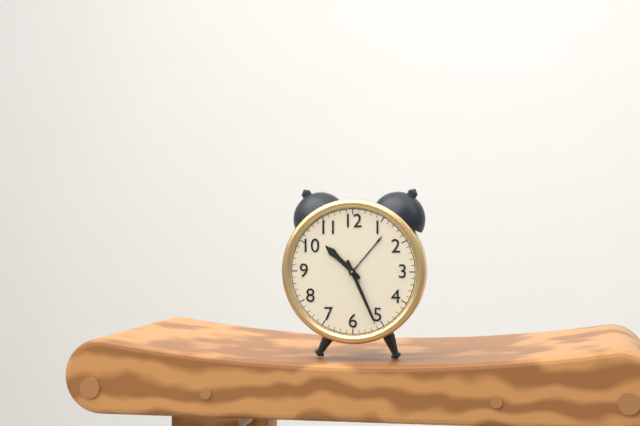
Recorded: 10 h 26 min
